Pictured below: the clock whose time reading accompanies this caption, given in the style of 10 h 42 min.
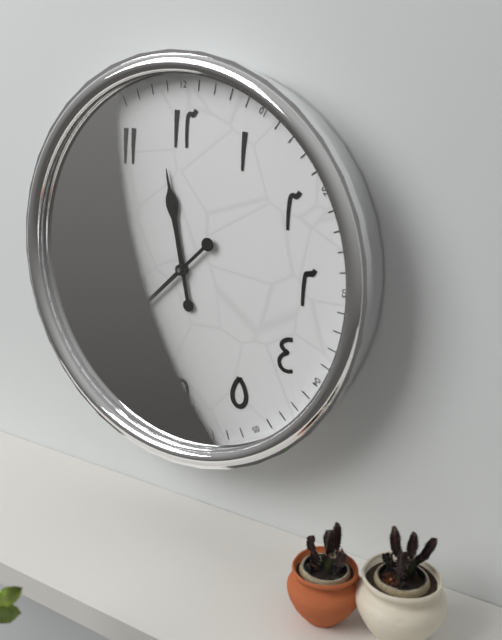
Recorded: 11 h 38 min
